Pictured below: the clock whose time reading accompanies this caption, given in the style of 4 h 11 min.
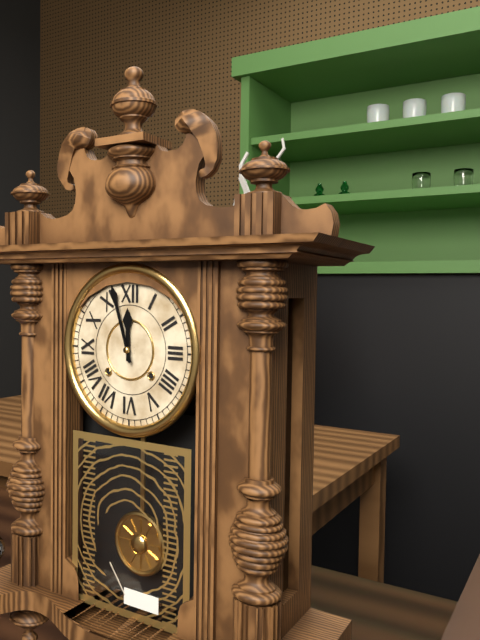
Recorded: 11 h 57 min
